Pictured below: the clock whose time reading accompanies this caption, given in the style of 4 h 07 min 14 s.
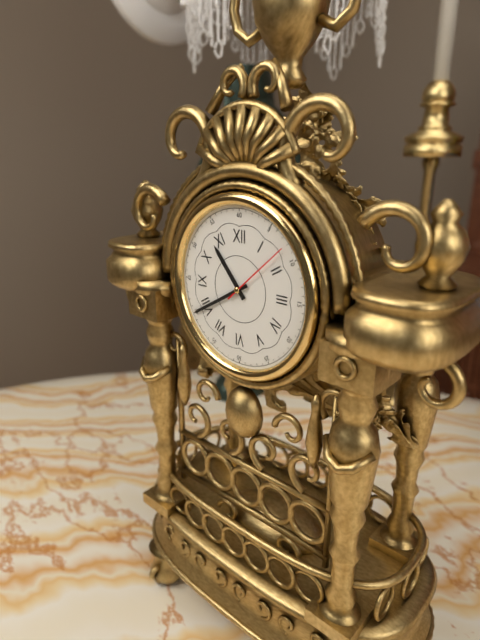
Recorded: 10 h 40 min 08 s
